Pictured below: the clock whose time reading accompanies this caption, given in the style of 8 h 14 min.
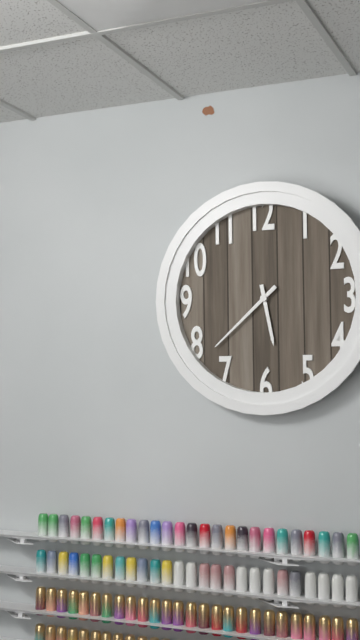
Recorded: 5 h 38 min
